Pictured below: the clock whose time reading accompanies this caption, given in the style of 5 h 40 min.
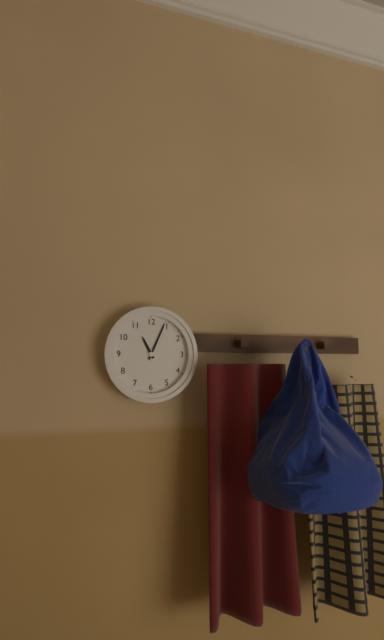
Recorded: 11 h 04 min
